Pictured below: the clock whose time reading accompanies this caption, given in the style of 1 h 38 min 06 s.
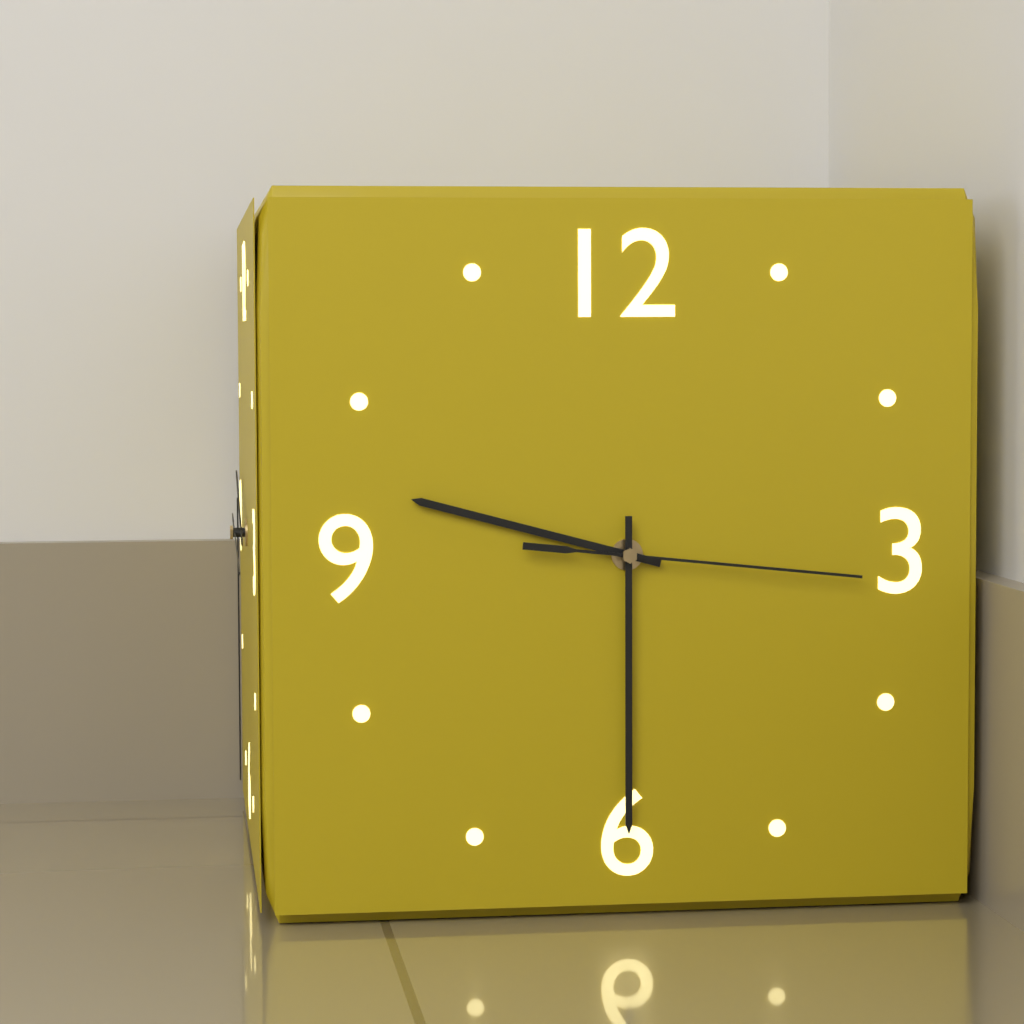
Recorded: 9 h 30 min 16 s
